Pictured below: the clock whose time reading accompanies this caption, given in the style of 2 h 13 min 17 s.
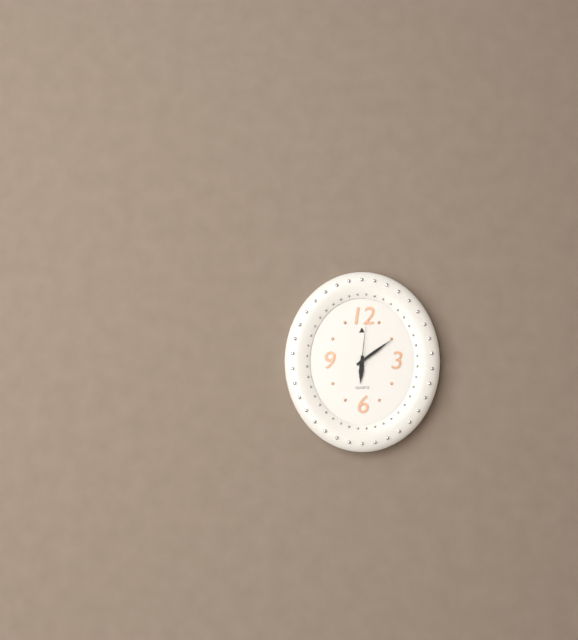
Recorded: 6 h 09 min 01 s
